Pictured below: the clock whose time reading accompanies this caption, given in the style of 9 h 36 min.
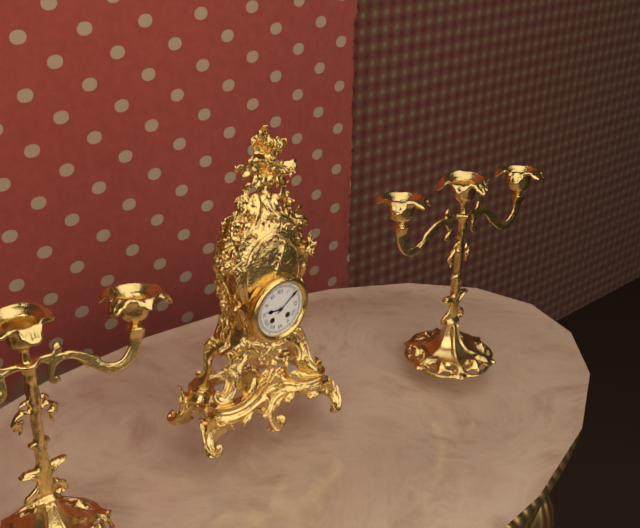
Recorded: 9 h 09 min
